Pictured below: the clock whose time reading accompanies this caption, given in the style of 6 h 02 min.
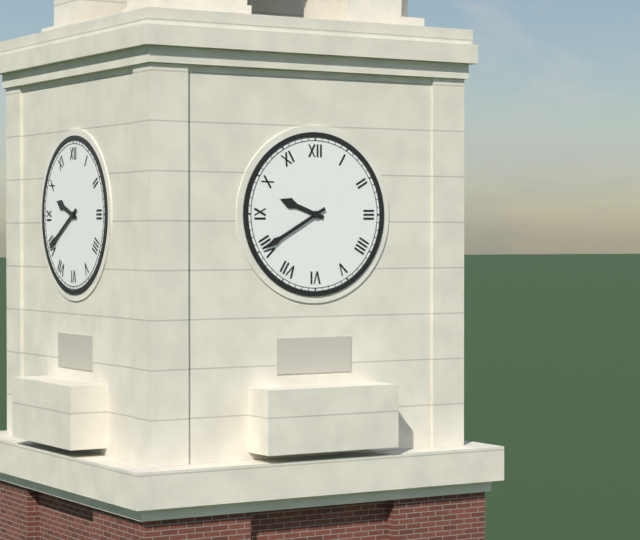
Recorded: 9 h 40 min
